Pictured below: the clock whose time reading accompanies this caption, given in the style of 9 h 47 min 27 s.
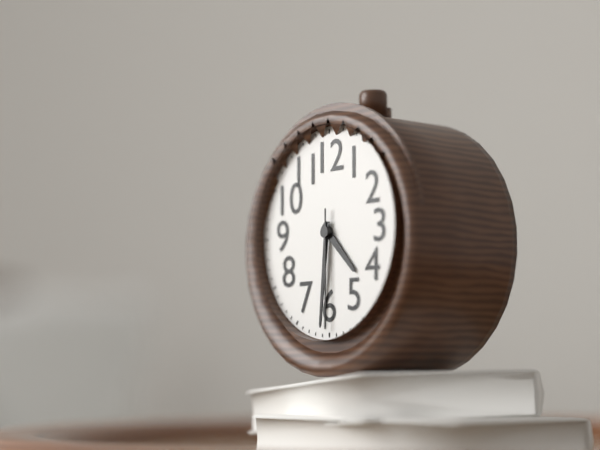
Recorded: 4 h 31 min 30 s
